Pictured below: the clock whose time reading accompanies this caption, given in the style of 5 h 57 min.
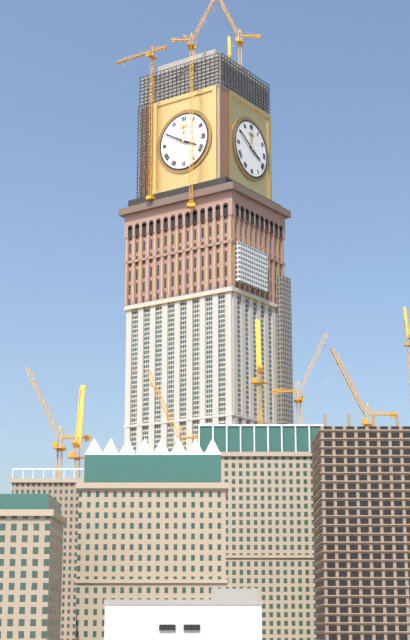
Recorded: 3 h 50 min
